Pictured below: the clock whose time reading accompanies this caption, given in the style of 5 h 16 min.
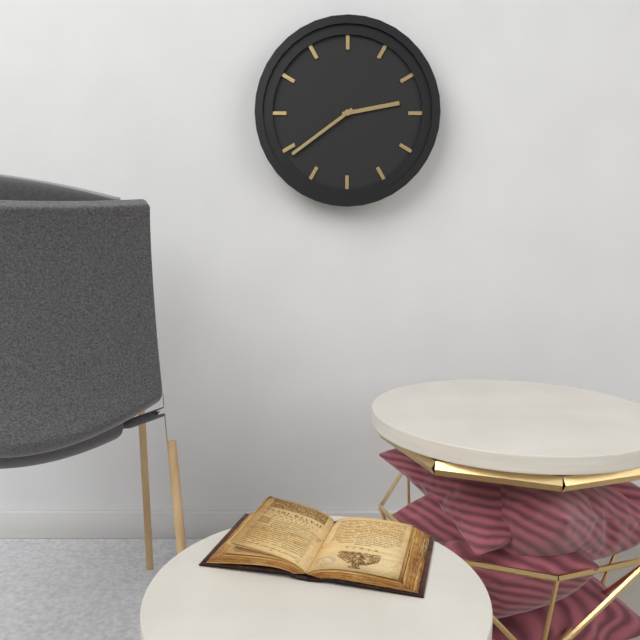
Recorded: 2 h 39 min
